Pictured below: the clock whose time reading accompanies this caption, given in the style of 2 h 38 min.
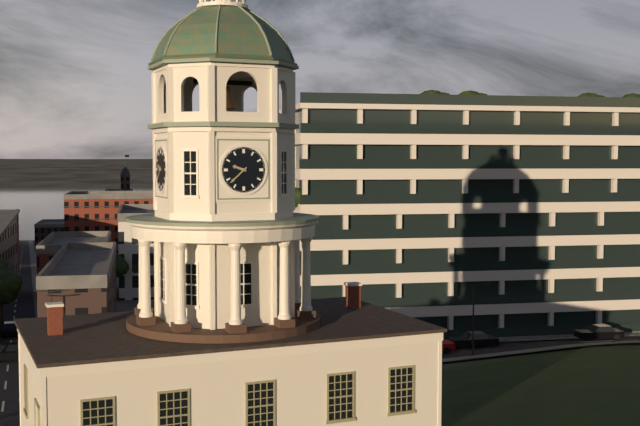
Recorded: 9 h 38 min
